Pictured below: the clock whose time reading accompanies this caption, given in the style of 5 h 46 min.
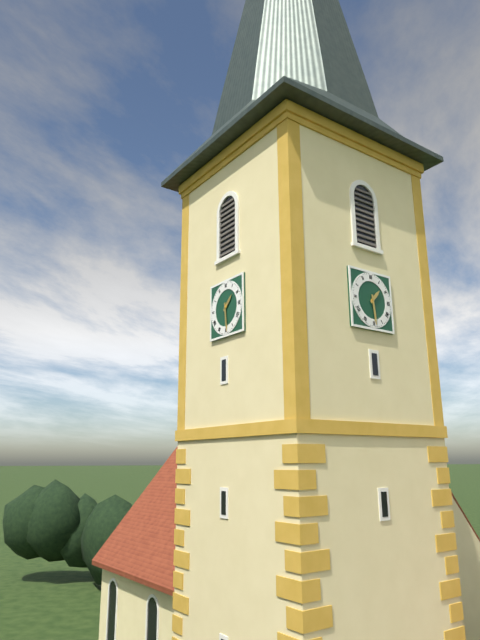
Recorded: 1 h 29 min
